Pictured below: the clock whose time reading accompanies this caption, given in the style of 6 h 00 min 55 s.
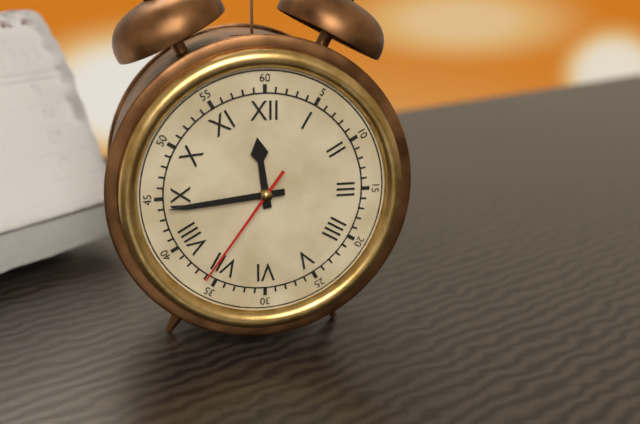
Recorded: 11 h 44 min 36 s
